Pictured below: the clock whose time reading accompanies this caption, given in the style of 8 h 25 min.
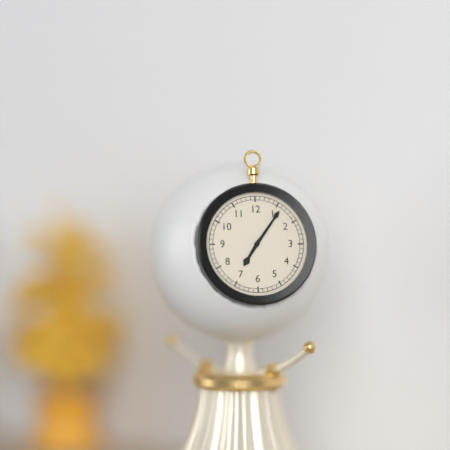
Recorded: 7 h 06 min
